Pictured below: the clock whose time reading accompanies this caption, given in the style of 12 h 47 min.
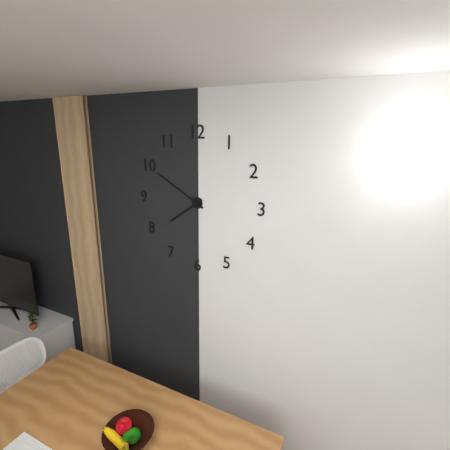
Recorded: 7 h 50 min
